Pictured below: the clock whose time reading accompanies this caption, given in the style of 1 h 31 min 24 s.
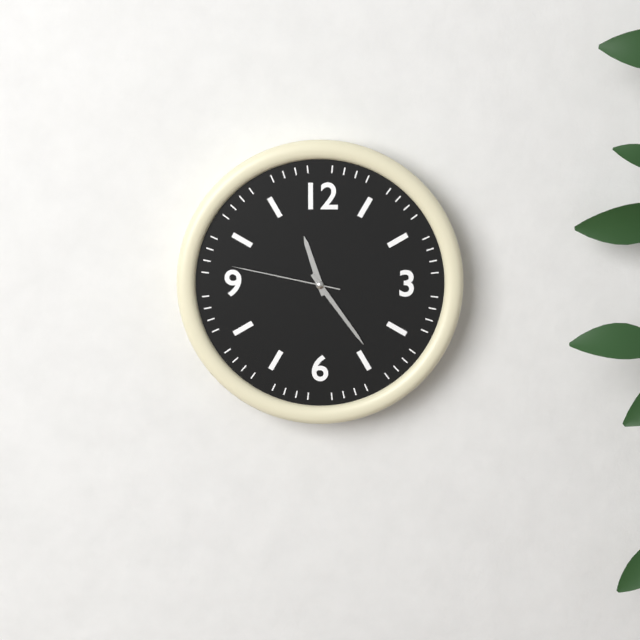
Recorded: 11 h 24 min 47 s
